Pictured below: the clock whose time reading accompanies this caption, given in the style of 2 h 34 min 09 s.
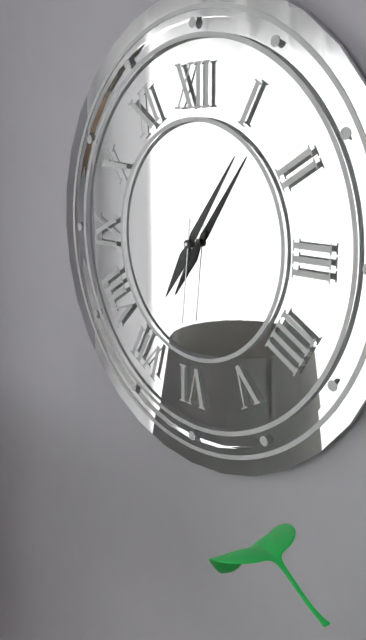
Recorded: 7 h 06 min 31 s
